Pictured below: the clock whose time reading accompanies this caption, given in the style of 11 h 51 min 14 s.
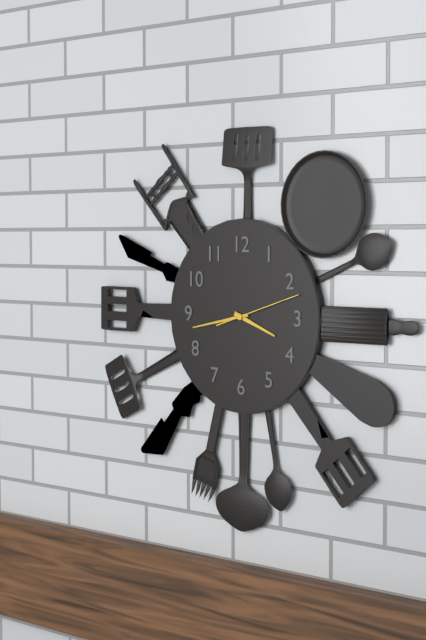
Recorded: 3 h 43 min 12 s
